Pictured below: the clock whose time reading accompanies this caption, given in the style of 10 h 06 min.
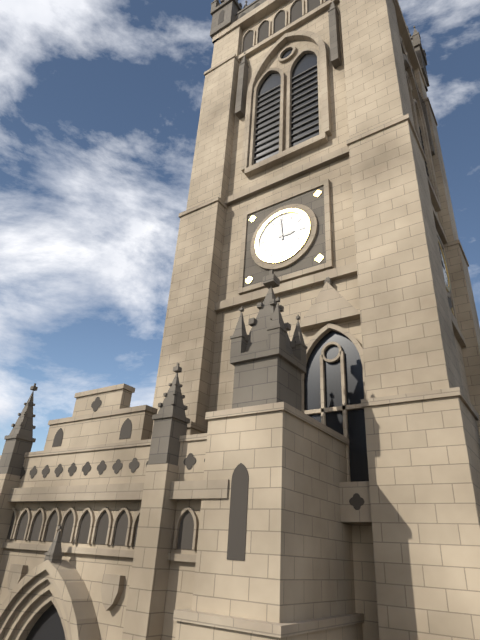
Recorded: 2 h 59 min
